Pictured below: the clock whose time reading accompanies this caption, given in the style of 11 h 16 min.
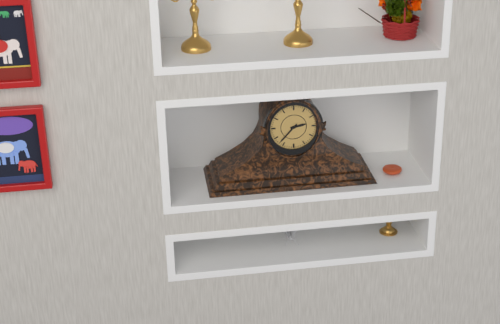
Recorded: 2 h 37 min
